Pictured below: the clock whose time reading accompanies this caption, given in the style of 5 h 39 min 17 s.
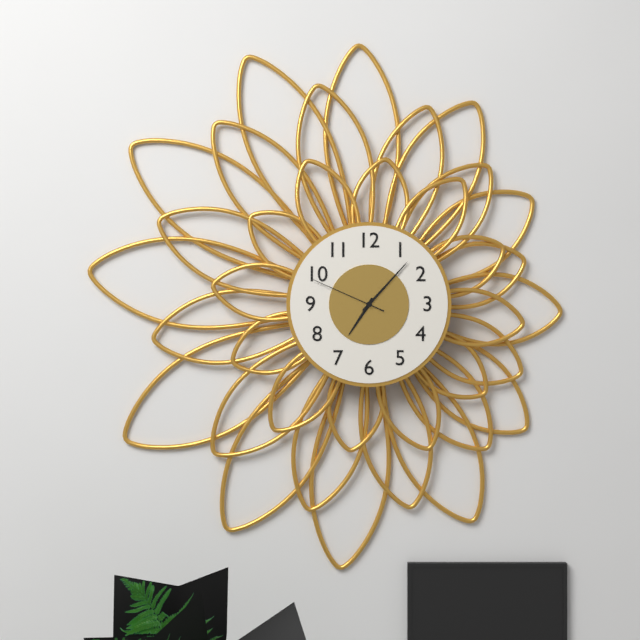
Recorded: 7 h 07 min 49 s
